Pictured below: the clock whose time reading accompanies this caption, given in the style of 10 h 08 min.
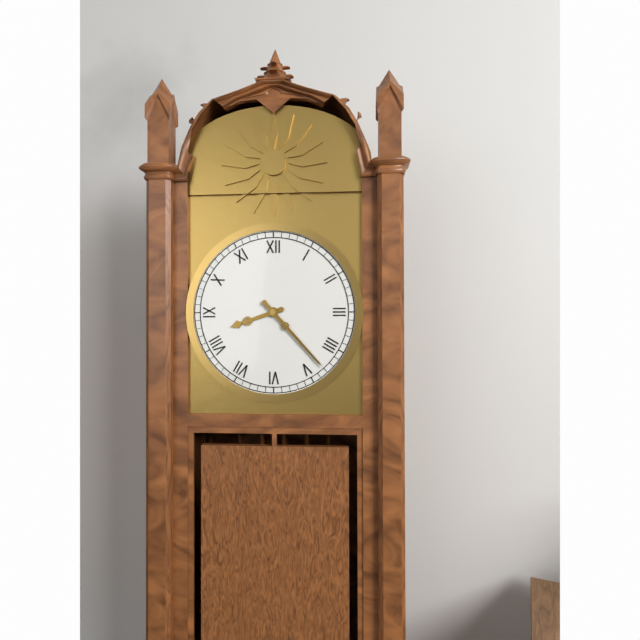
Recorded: 8 h 23 min
